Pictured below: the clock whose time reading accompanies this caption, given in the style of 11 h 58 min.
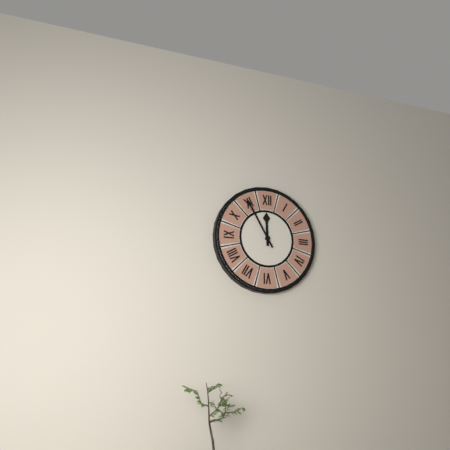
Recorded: 11 h 55 min
